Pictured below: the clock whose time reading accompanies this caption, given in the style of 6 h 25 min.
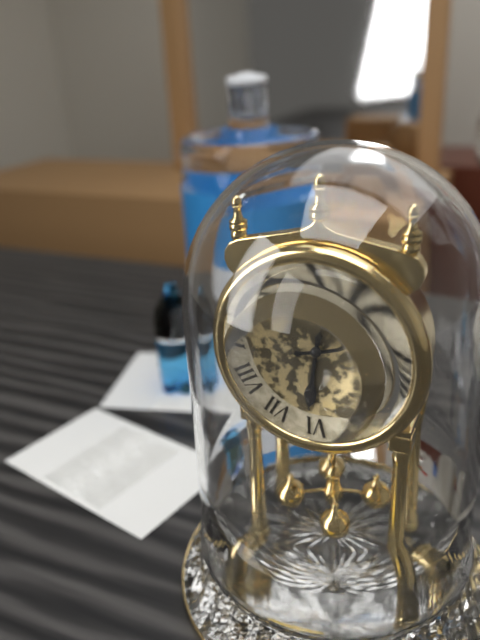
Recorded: 6 h 13 min
